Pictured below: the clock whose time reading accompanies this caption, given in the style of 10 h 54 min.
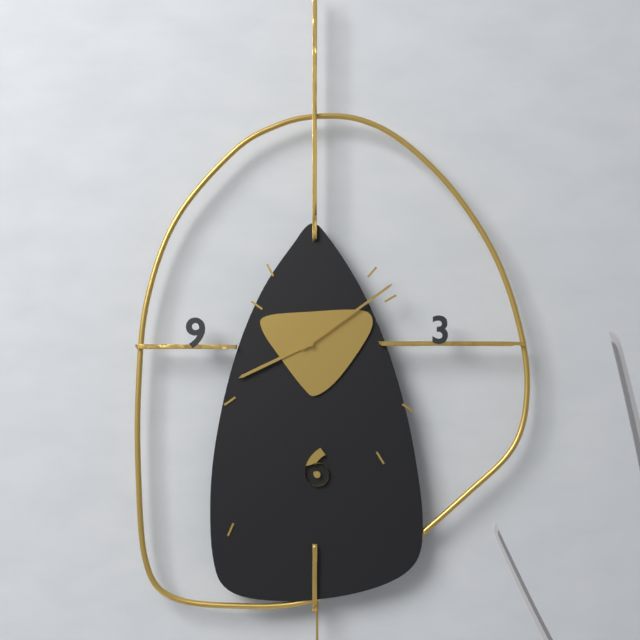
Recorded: 8 h 09 min
